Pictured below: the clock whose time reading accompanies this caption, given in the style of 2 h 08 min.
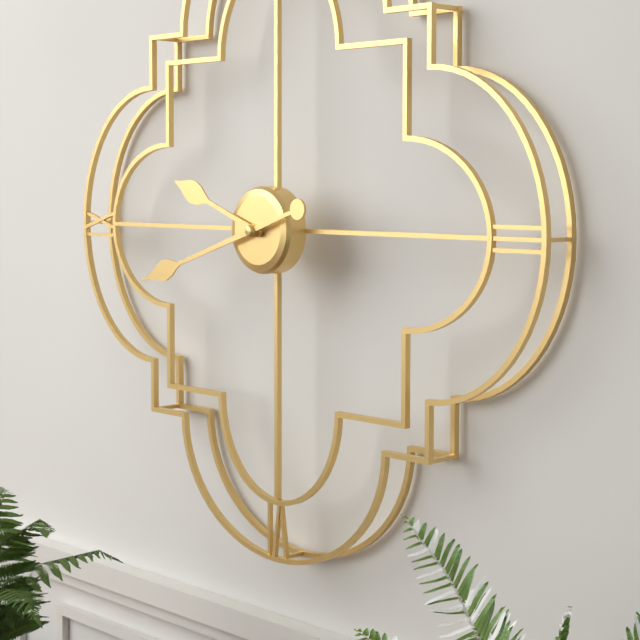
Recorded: 9 h 42 min
